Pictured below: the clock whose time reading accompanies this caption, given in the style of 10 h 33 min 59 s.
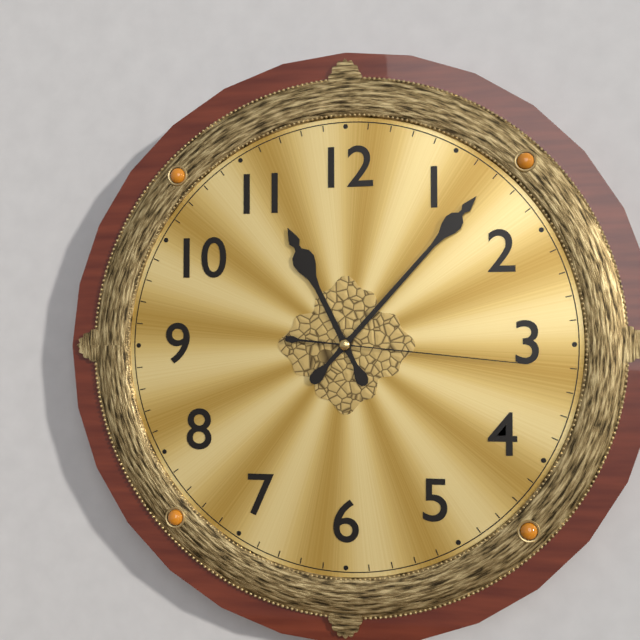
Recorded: 11 h 07 min 16 s
